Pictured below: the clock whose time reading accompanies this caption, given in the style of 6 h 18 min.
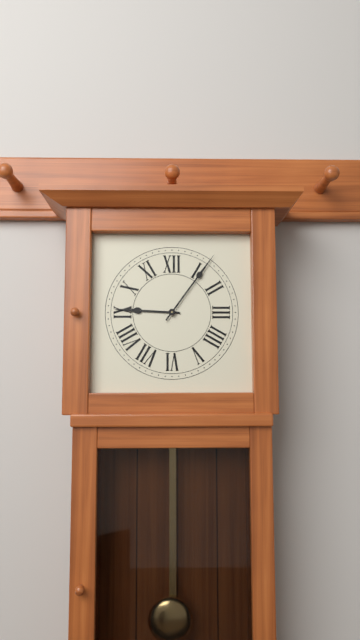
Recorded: 9 h 06 min
